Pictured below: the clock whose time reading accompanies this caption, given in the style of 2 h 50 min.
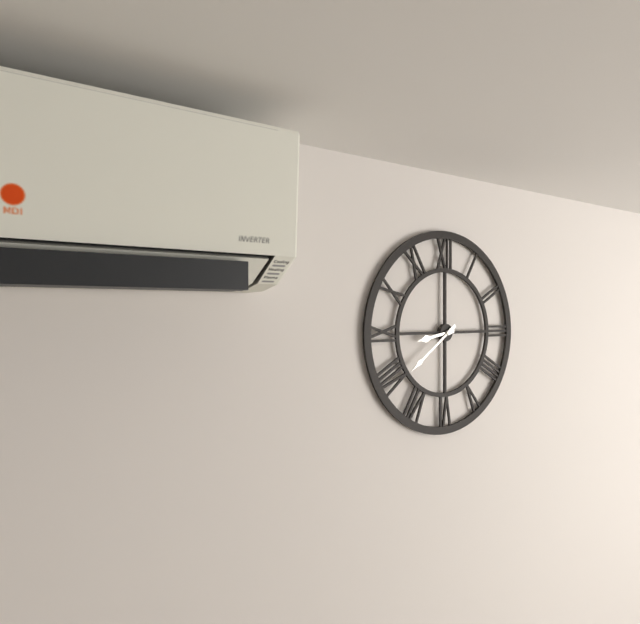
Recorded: 8 h 39 min
